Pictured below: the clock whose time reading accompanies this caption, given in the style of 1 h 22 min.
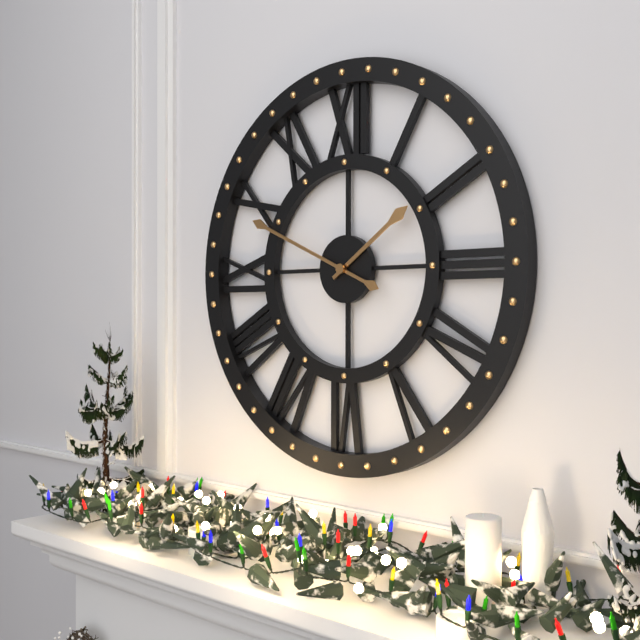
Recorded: 1 h 49 min
